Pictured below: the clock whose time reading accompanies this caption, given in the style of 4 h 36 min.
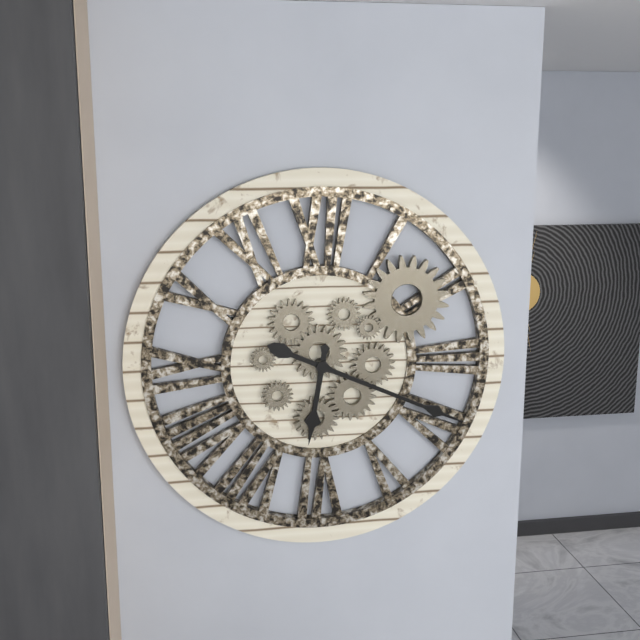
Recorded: 6 h 19 min
